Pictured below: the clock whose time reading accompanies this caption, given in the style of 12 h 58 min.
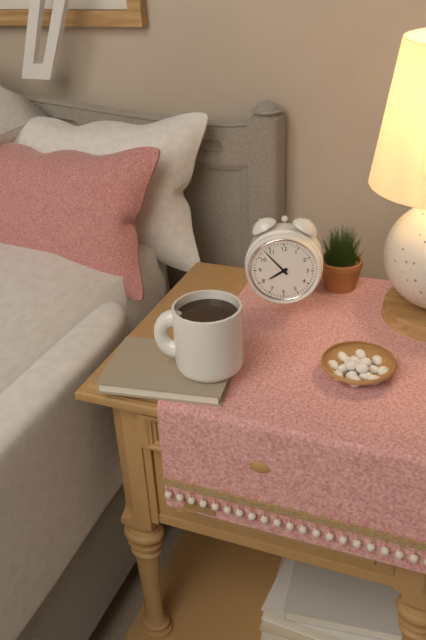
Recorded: 7 h 53 min
